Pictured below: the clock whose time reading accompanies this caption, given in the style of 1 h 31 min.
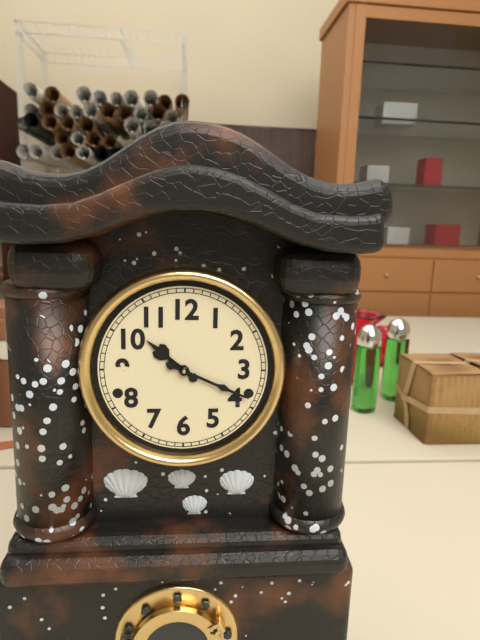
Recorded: 10 h 19 min
